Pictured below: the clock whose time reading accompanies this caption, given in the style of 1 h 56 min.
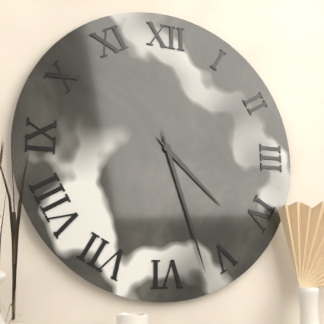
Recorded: 4 h 27 min
